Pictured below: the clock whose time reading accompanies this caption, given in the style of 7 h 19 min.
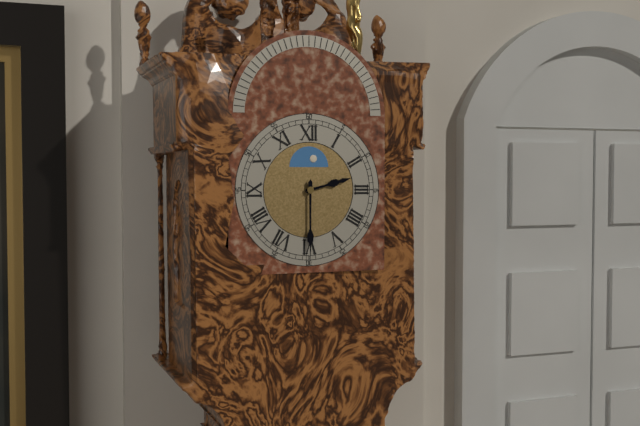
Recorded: 2 h 30 min
